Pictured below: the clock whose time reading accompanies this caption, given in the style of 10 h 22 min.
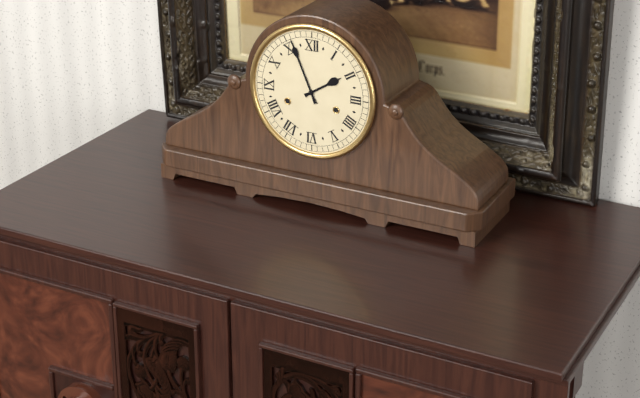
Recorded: 1 h 56 min
